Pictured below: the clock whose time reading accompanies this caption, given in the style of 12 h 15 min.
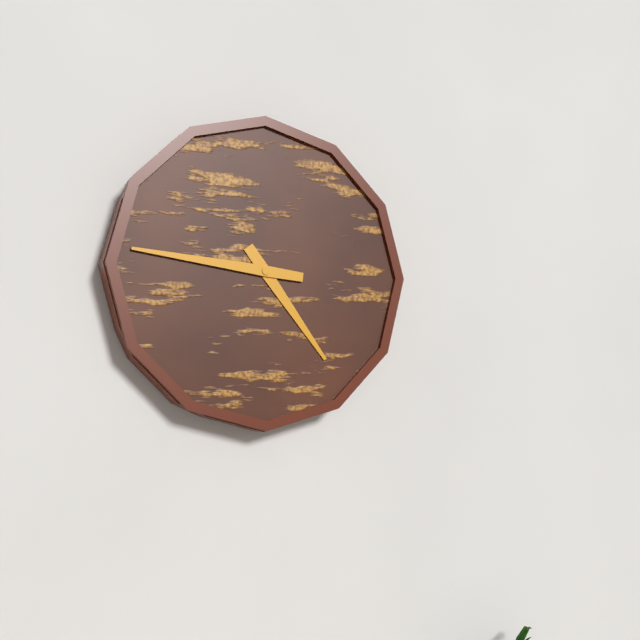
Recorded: 4 h 46 min
